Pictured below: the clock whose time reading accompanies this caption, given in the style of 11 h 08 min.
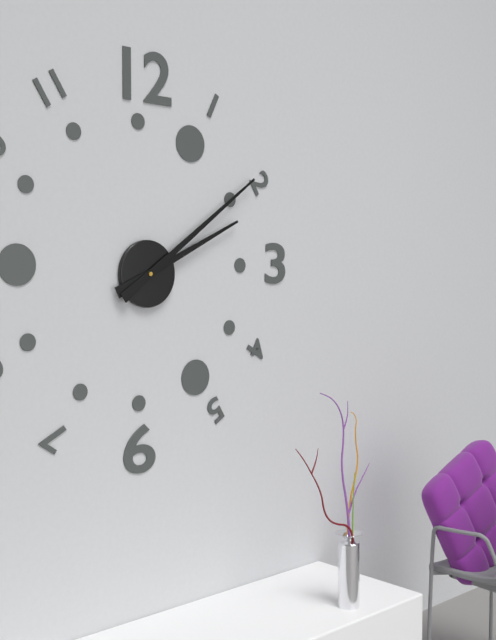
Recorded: 2 h 09 min
